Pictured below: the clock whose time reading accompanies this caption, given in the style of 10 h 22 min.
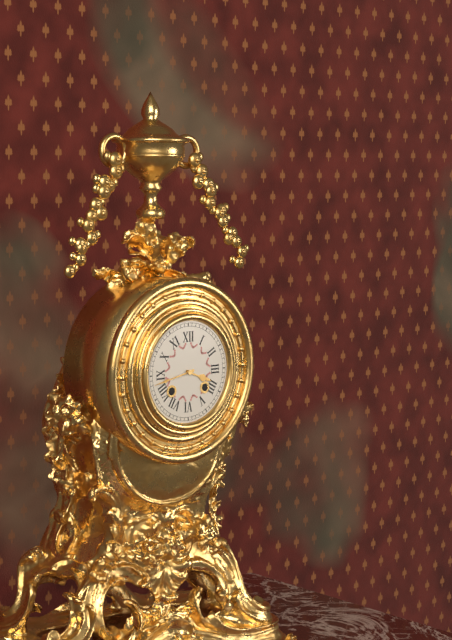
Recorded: 3 h 43 min
